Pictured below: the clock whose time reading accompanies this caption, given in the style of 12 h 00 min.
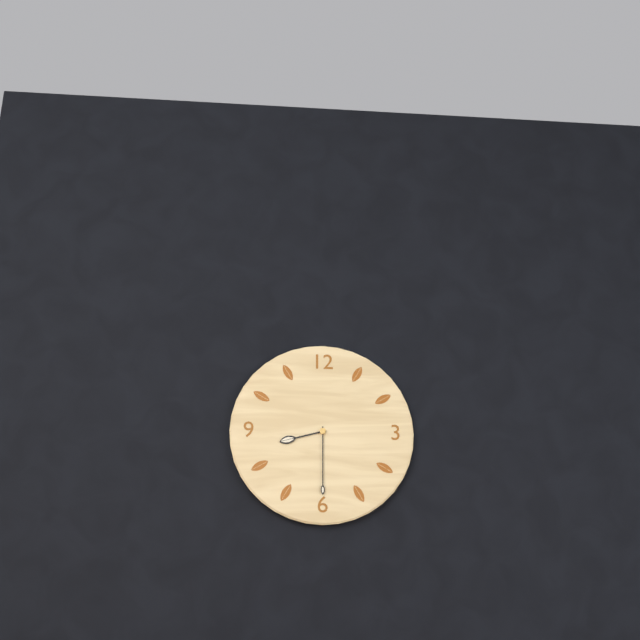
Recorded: 8 h 30 min
